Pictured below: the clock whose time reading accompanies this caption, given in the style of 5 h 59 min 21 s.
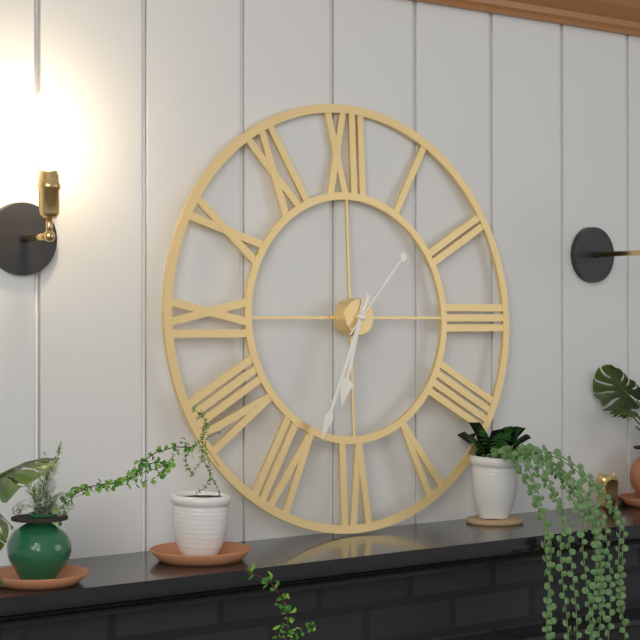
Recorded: 6 h 34 min 07 s
